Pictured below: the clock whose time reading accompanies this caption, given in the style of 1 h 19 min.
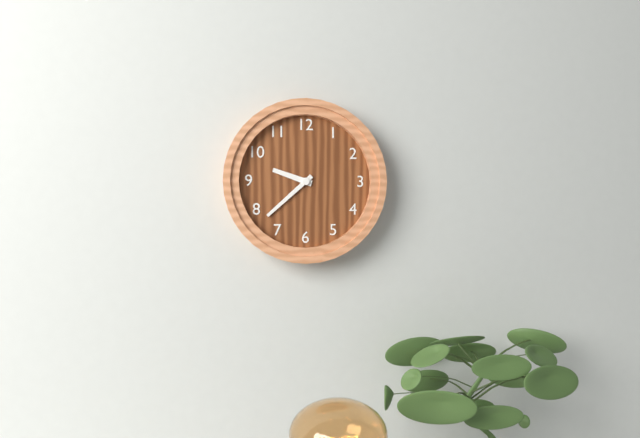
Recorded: 9 h 38 min
